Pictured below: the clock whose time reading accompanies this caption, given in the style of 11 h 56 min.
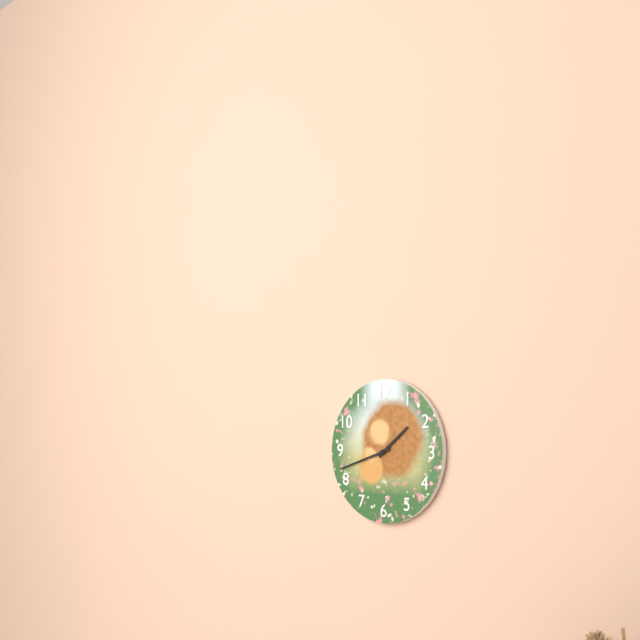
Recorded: 1 h 42 min
